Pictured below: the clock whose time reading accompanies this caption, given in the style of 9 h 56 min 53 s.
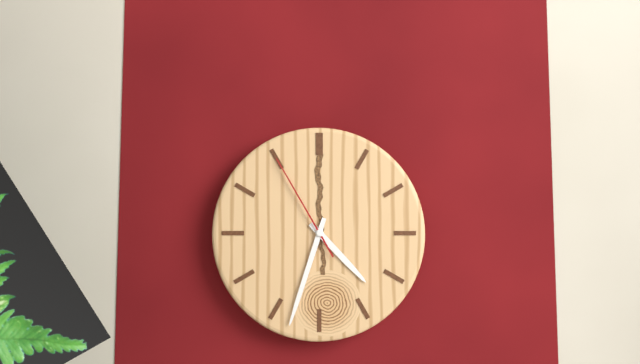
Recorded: 4 h 33 min 55 s
